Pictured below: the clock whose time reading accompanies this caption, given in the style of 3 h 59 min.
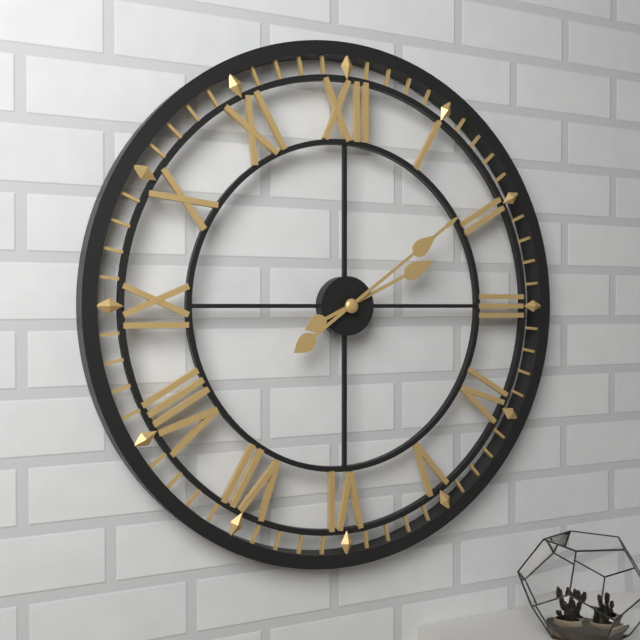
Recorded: 2 h 09 min
